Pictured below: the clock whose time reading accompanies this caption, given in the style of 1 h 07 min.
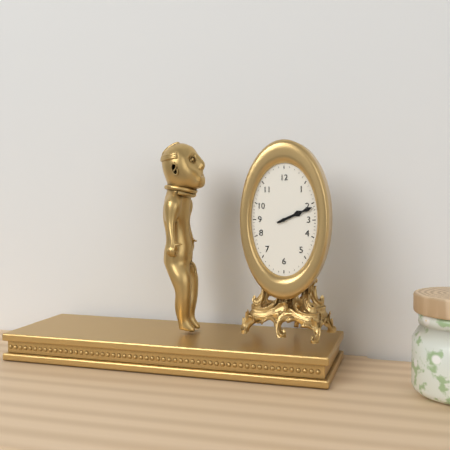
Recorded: 2 h 11 min
